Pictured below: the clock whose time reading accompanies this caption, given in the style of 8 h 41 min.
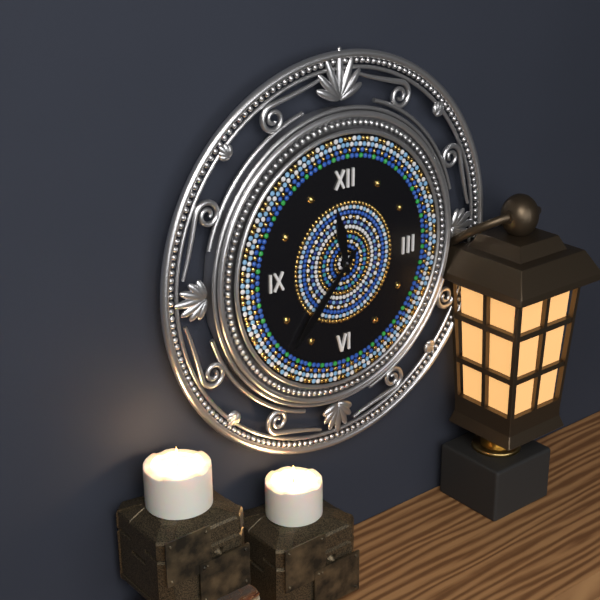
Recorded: 11 h 37 min
